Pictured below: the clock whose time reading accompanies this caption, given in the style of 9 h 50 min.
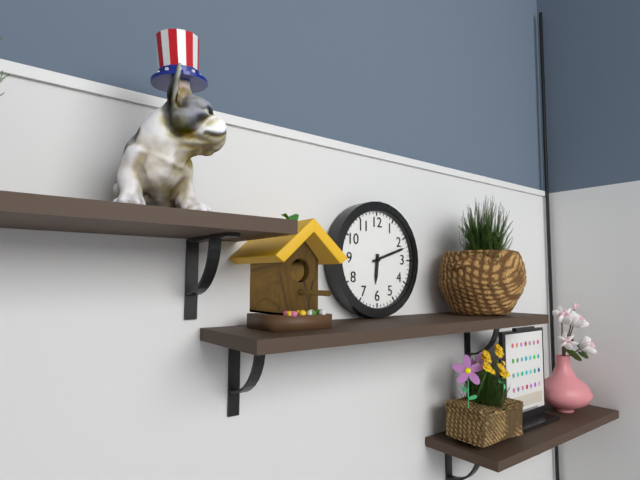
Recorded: 6 h 12 min
